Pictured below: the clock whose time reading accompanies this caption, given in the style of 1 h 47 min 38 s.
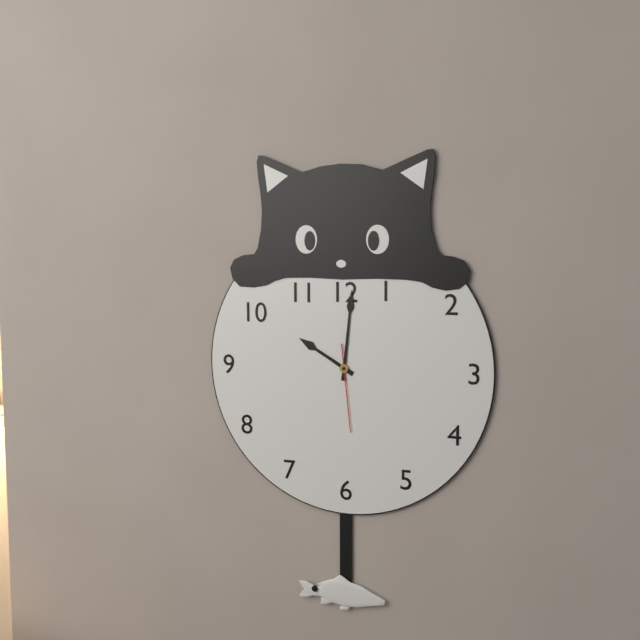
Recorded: 10 h 01 min 29 s
